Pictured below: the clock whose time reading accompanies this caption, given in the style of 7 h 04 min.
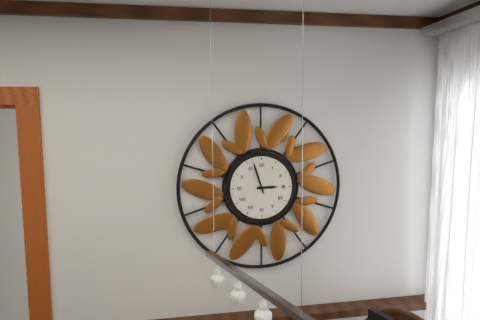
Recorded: 2 h 57 min
